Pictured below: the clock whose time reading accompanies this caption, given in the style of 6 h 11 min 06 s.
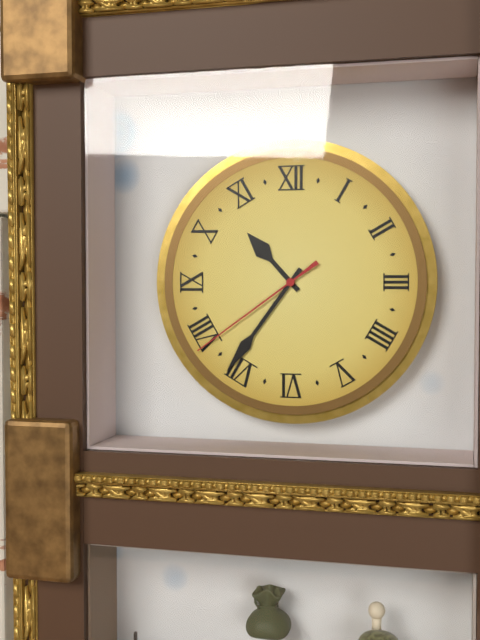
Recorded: 10 h 36 min 39 s
